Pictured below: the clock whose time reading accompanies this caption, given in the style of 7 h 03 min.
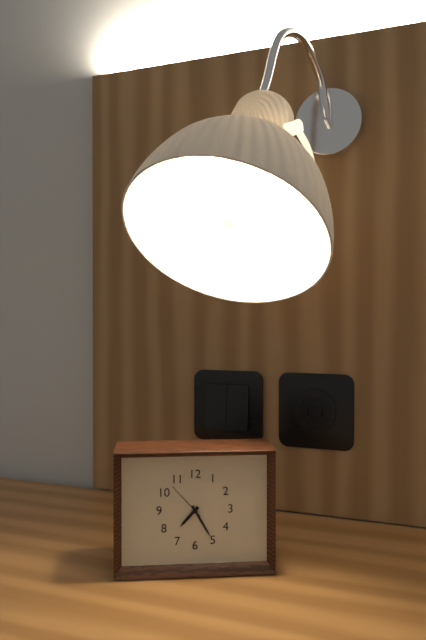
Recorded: 7 h 25 min
